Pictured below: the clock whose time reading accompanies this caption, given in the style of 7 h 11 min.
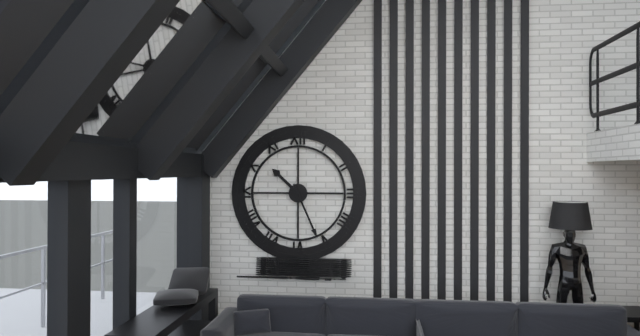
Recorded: 10 h 26 min
